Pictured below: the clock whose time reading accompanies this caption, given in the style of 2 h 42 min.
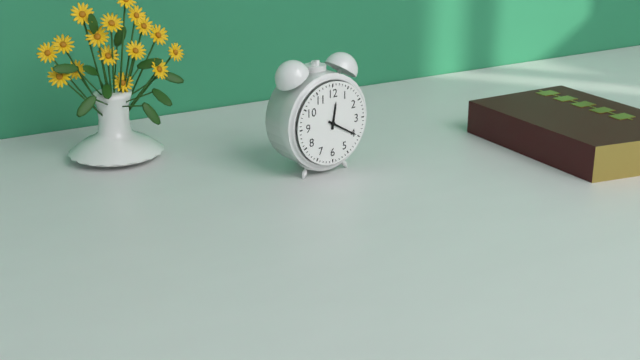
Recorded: 12 h 20 min
